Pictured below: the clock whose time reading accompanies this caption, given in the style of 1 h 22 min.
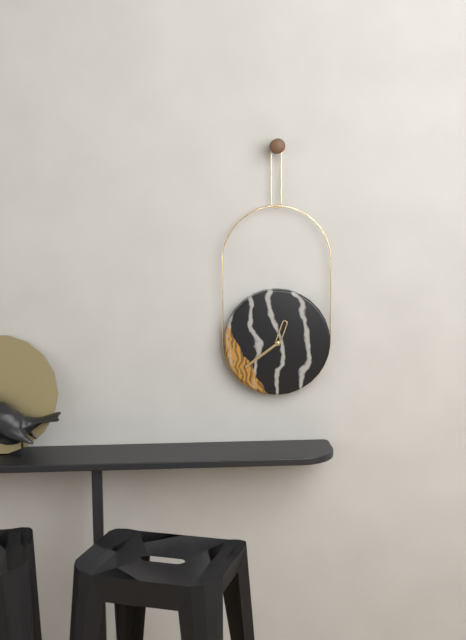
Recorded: 12 h 39 min
